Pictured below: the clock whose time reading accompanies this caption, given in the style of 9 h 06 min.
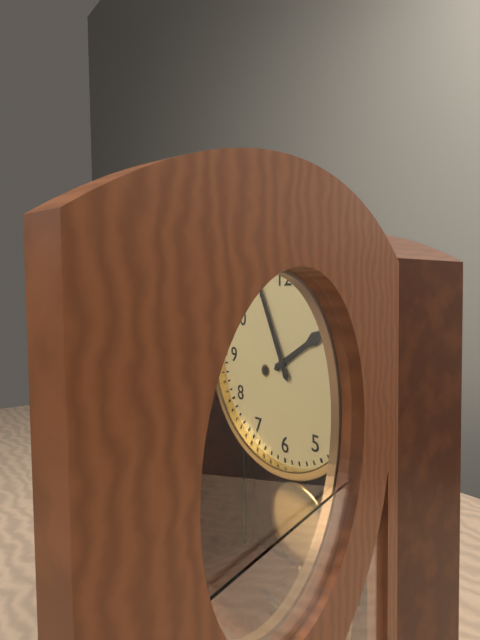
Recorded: 1 h 56 min
